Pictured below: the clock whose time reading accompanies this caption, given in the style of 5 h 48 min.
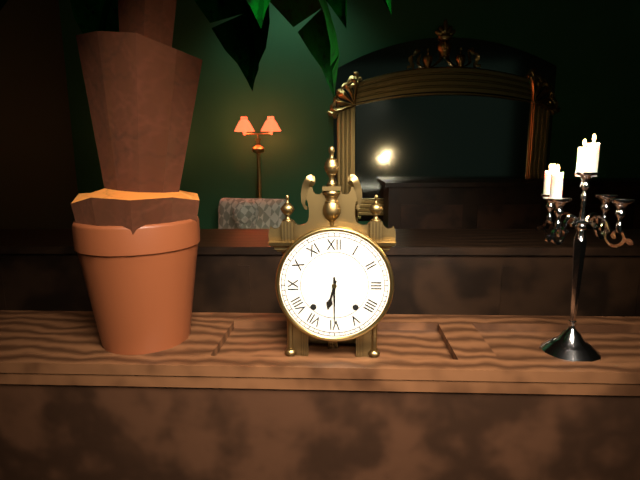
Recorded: 6 h 30 min
